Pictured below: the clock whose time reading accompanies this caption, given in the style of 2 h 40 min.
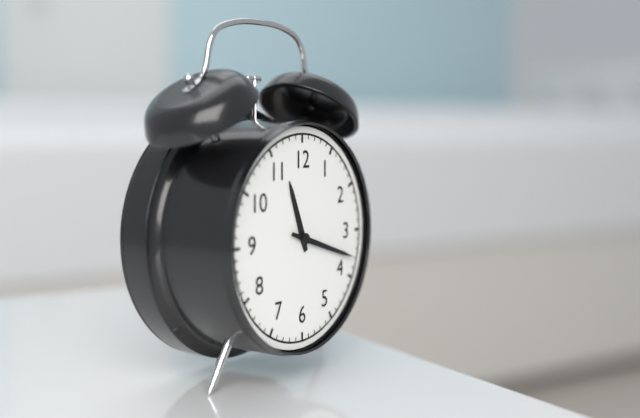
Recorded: 11 h 18 min
